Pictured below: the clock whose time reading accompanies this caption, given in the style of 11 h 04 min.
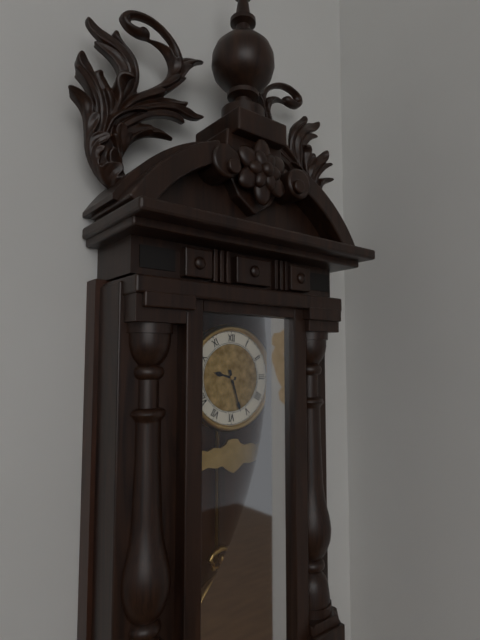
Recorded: 9 h 27 min
